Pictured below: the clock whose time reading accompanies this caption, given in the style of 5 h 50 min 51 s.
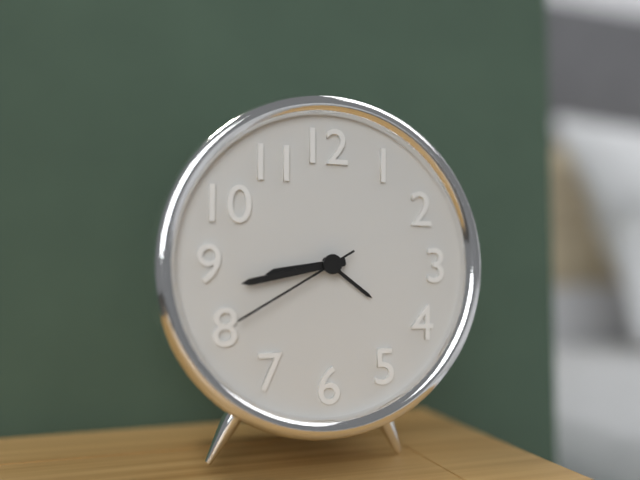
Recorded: 8 h 43 min 40 s
